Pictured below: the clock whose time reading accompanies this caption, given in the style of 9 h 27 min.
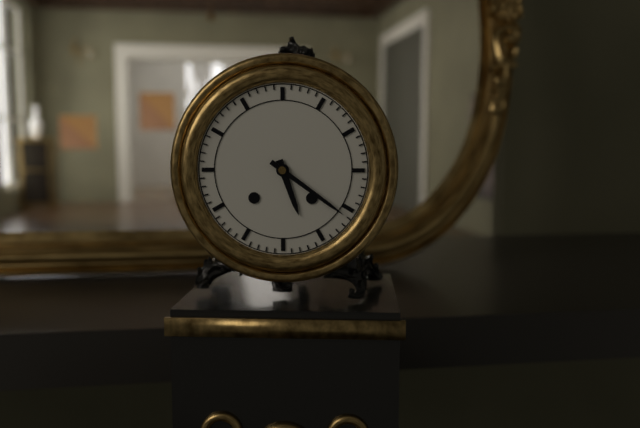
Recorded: 5 h 21 min
